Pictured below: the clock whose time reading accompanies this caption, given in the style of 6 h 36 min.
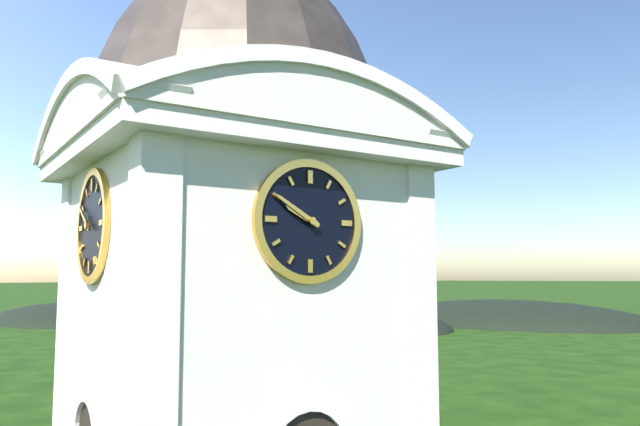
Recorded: 9 h 50 min
